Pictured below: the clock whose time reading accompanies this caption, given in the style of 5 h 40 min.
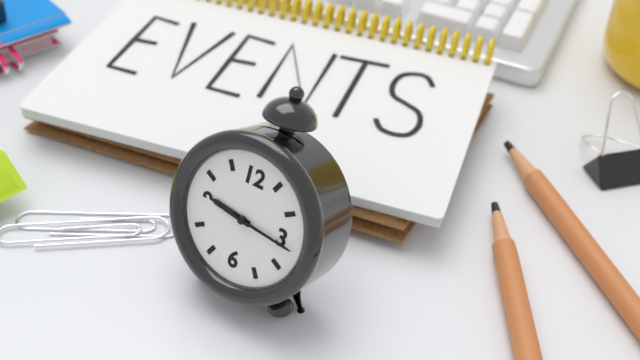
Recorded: 9 h 16 min
